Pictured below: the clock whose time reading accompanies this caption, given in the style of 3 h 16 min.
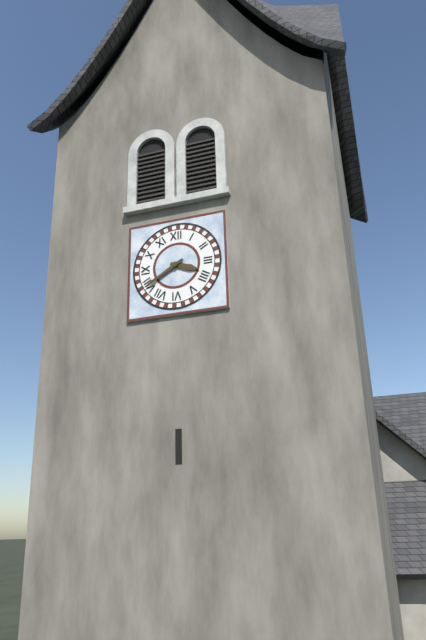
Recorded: 3 h 40 min
